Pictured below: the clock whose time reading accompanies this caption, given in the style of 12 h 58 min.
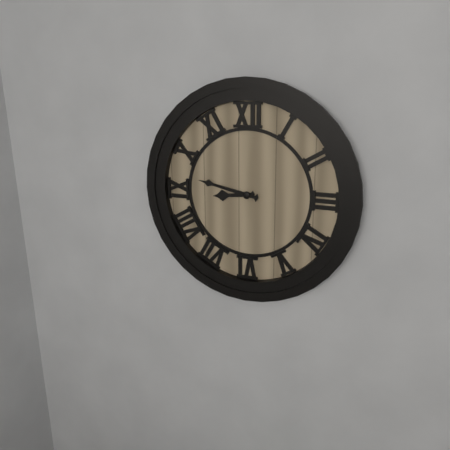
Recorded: 8 h 47 min
